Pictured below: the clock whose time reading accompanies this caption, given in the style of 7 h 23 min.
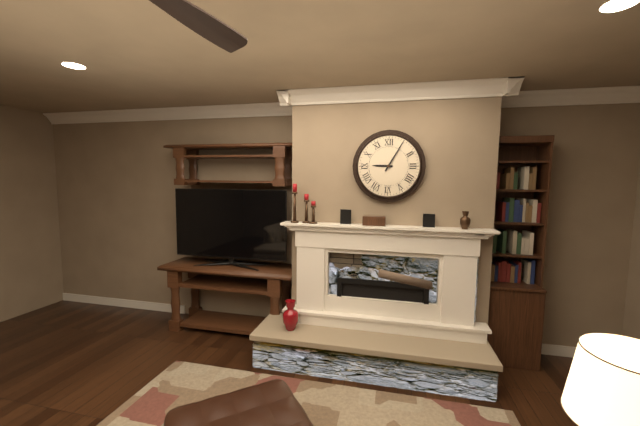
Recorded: 9 h 05 min
